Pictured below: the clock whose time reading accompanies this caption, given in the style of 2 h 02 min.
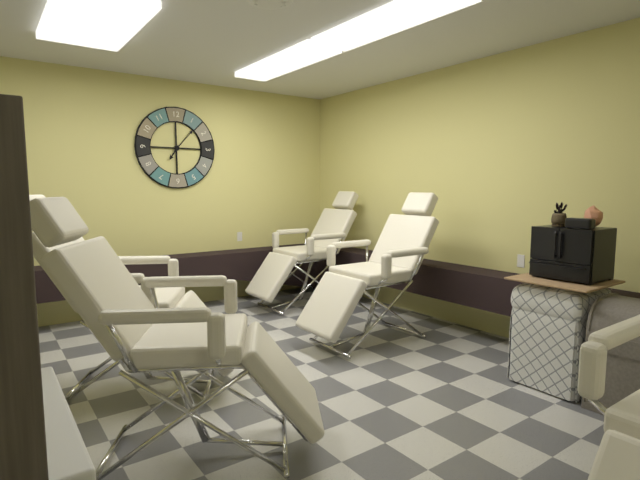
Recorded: 7 h 07 min
